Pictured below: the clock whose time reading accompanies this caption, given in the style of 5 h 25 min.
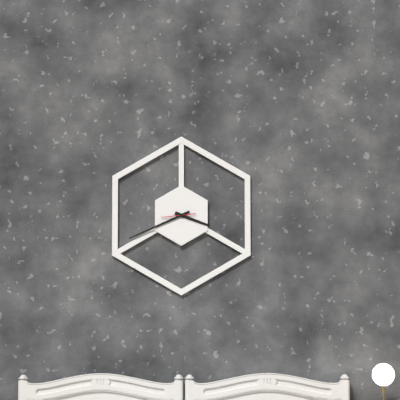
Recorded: 3 h 41 min
